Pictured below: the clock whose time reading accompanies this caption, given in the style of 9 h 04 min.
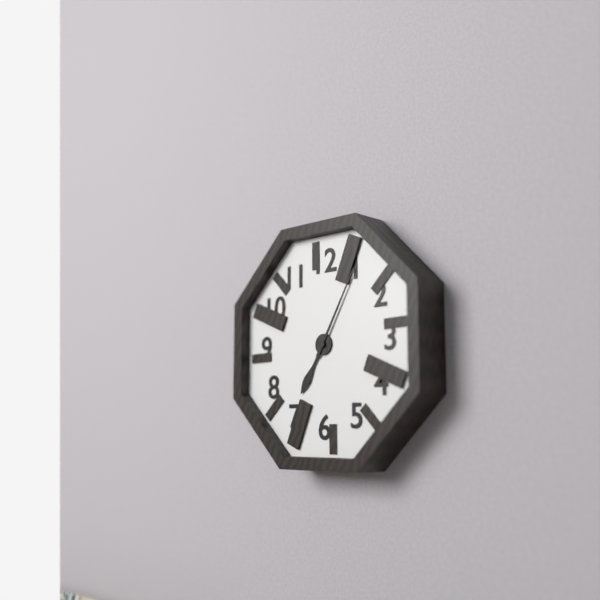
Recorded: 7 h 05 min
